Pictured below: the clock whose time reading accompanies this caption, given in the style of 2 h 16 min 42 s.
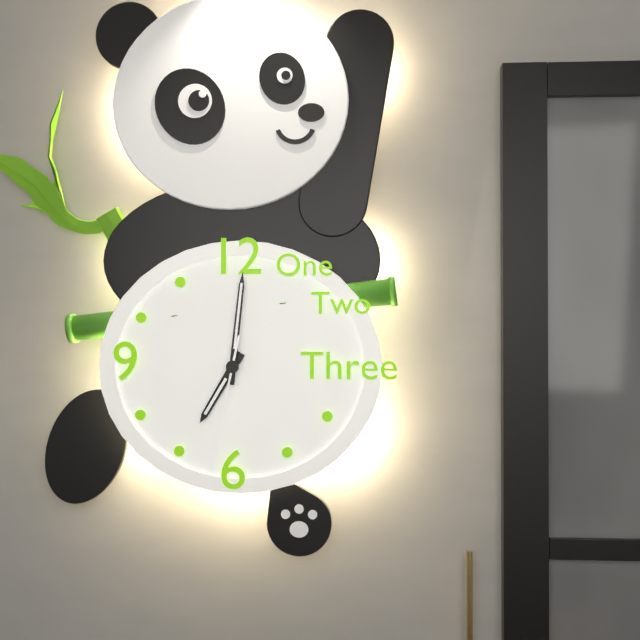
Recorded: 7 h 01 min 32 s
